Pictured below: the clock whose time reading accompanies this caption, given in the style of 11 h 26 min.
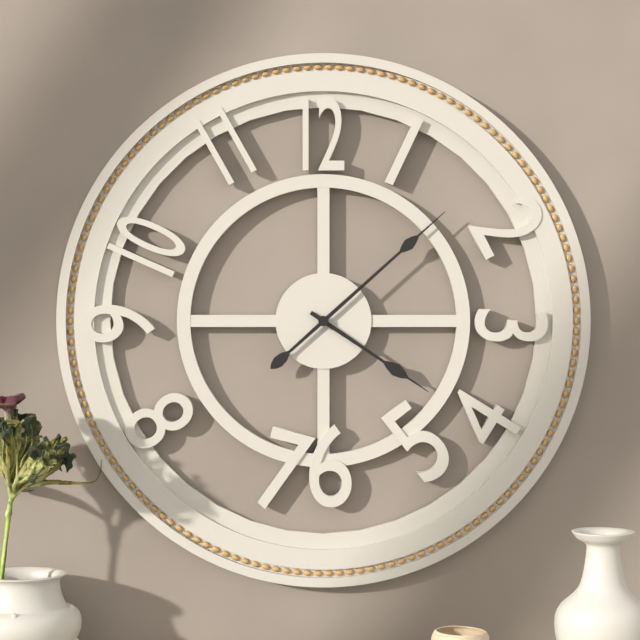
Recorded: 4 h 08 min
